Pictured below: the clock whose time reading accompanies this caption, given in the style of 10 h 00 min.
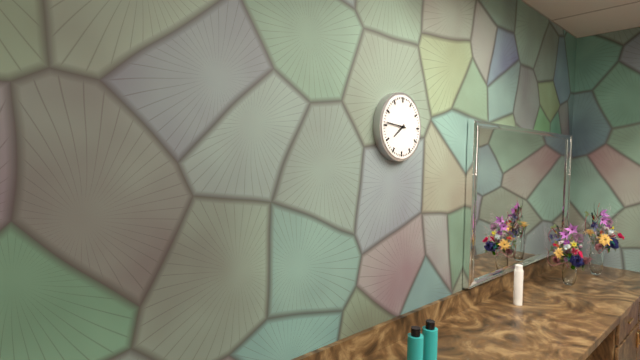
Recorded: 7 h 46 min
